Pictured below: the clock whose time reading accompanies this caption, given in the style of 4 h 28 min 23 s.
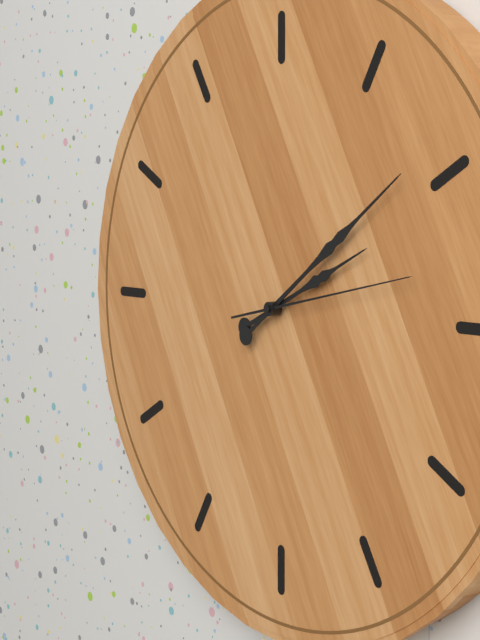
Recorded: 2 h 09 min 13 s
